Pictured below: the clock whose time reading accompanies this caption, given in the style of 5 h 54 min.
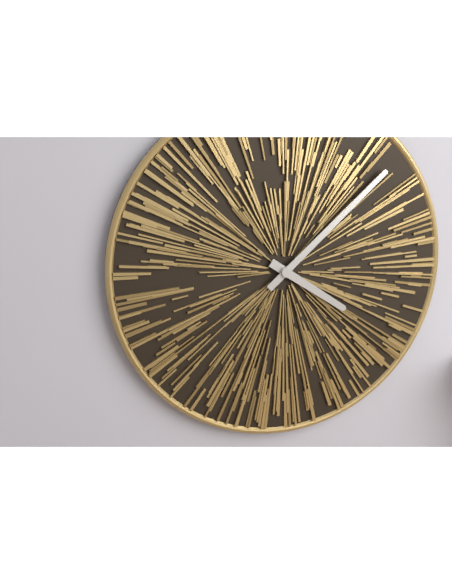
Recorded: 4 h 08 min
